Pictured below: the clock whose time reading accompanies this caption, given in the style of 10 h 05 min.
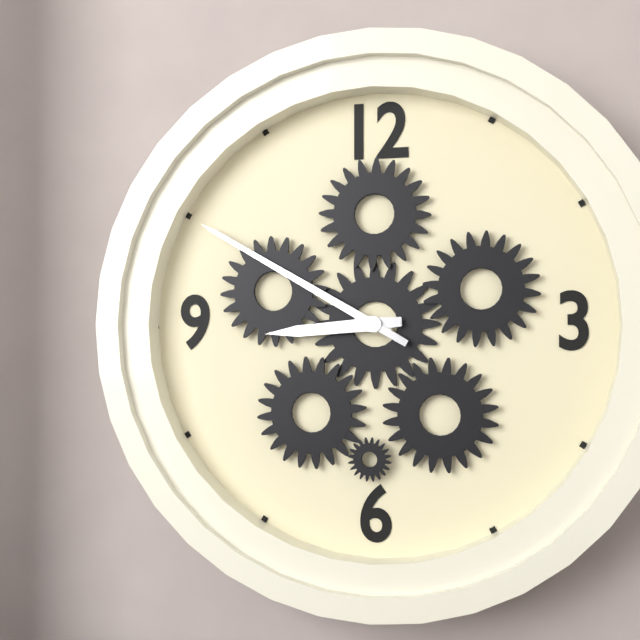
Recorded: 8 h 50 min
